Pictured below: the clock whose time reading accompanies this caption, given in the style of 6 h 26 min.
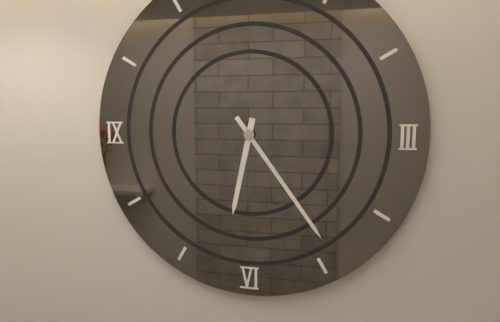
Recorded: 6 h 24 min
